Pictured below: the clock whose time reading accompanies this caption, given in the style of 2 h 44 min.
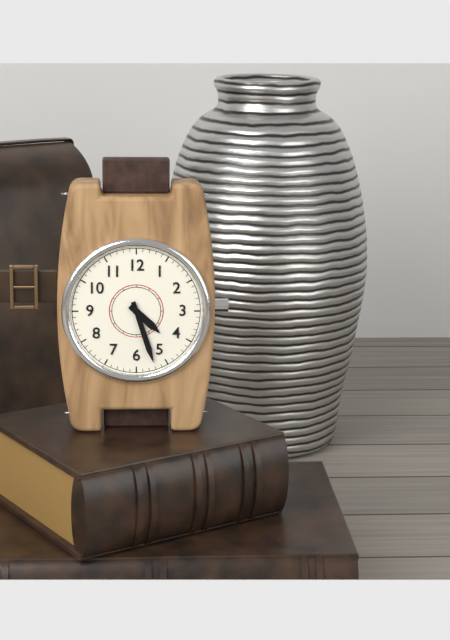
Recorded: 4 h 27 min
